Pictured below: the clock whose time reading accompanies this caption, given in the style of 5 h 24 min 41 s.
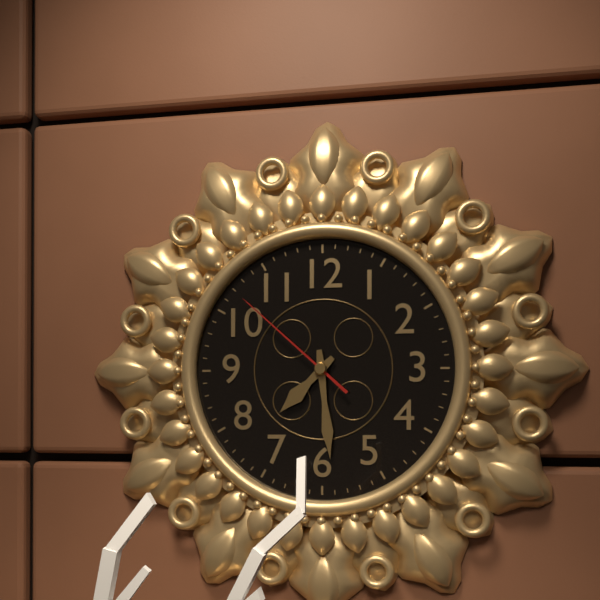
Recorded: 7 h 29 min 52 s
